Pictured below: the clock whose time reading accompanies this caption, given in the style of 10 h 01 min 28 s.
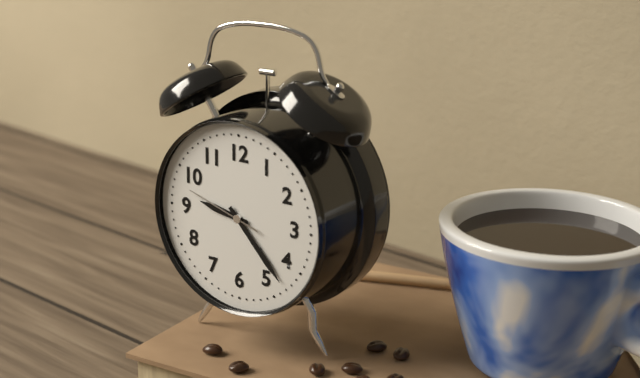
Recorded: 9 h 23 min 48 s
